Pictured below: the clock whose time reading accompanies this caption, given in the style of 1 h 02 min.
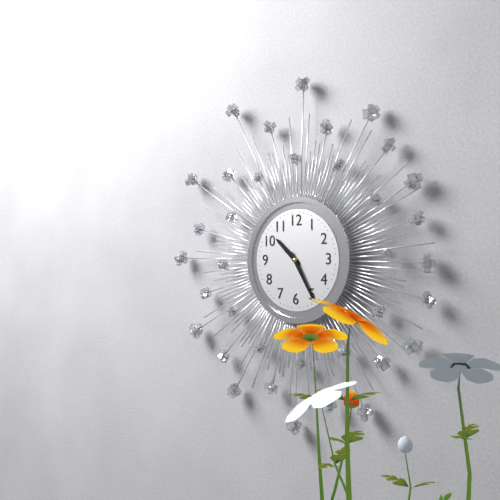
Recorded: 10 h 25 min
